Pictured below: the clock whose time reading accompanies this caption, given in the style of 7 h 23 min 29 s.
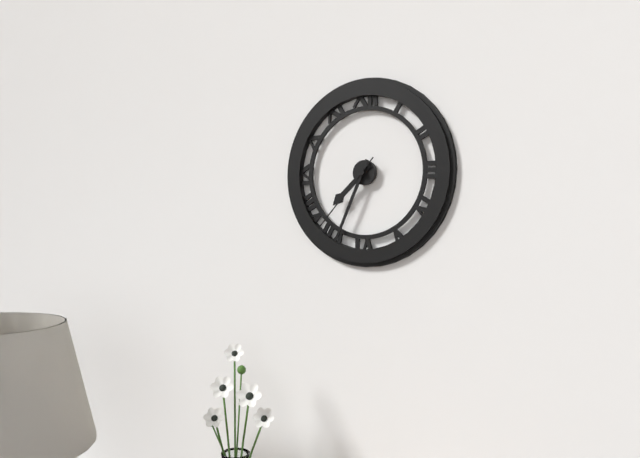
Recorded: 7 h 34 min 37 s
